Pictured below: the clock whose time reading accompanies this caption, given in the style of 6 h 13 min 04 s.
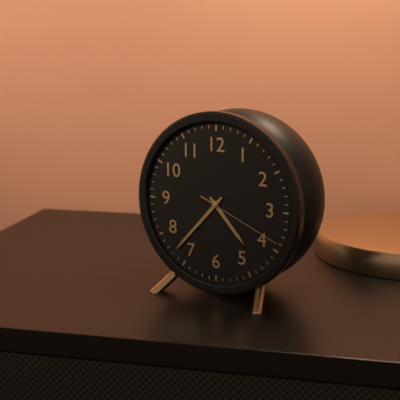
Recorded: 4 h 37 min 19 s
